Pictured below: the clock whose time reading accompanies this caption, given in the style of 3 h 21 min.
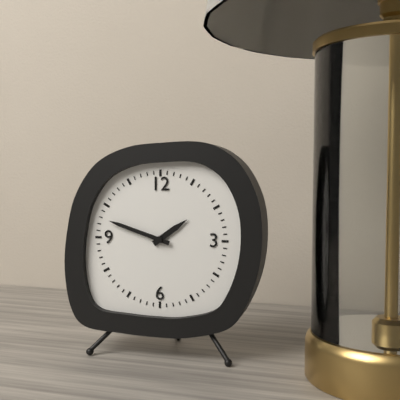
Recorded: 1 h 48 min
